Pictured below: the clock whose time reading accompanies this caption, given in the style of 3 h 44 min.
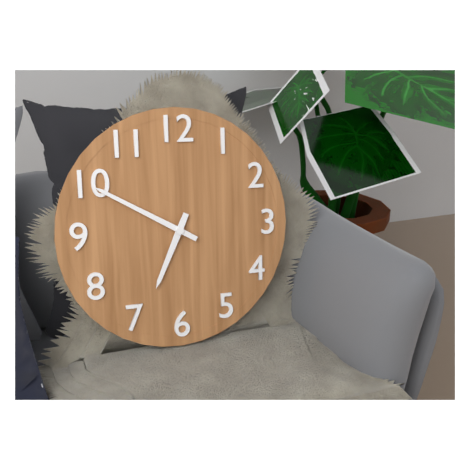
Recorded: 6 h 50 min
